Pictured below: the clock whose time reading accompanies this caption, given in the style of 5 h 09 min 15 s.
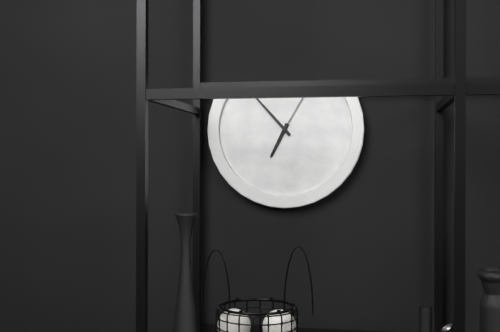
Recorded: 6 h 53 min 05 s
